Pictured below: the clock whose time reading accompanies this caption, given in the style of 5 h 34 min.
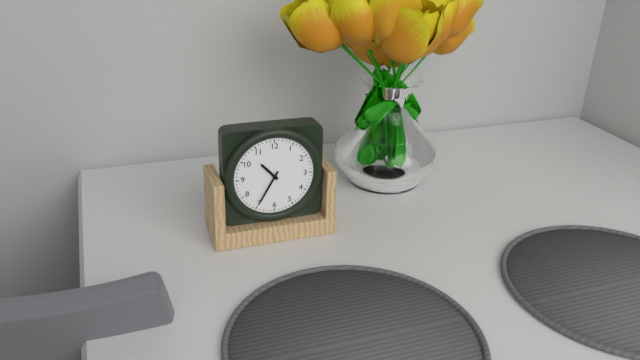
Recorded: 10 h 35 min
